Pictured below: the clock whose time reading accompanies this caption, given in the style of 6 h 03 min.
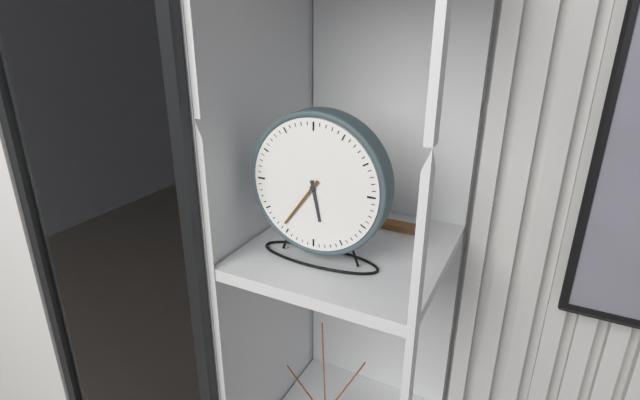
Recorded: 5 h 36 min
